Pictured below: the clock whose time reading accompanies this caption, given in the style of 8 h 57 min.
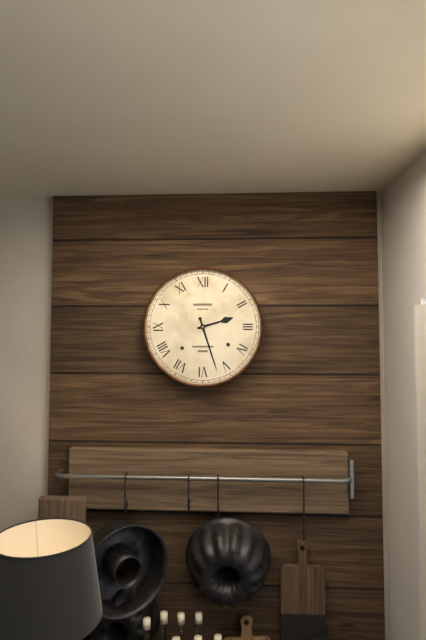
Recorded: 2 h 27 min
